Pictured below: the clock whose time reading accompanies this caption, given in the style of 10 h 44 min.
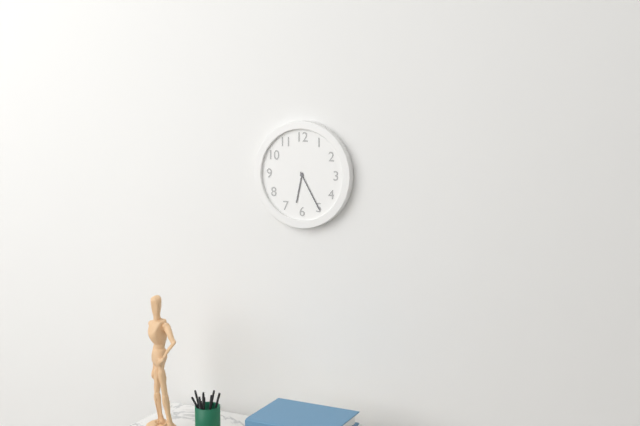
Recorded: 6 h 25 min
